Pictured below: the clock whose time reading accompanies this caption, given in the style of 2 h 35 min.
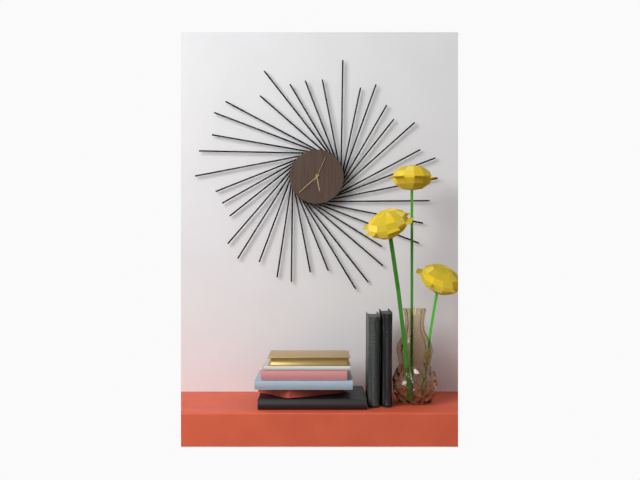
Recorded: 5 h 38 min
